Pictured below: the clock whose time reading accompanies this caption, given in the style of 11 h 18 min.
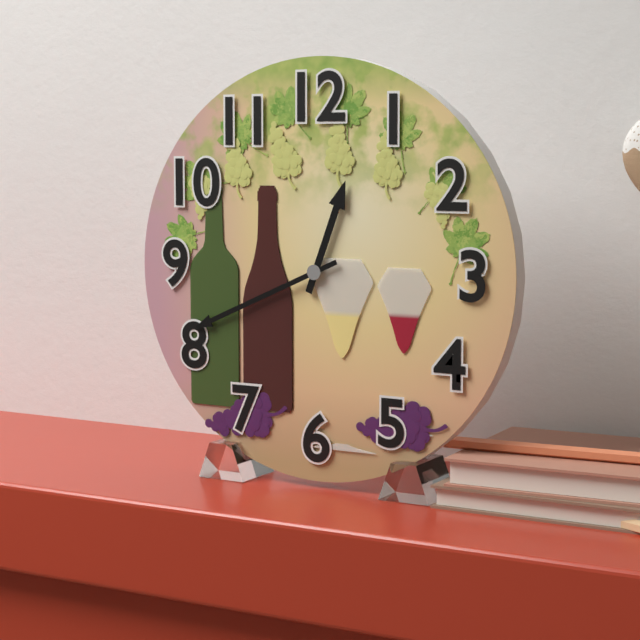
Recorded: 12 h 41 min
